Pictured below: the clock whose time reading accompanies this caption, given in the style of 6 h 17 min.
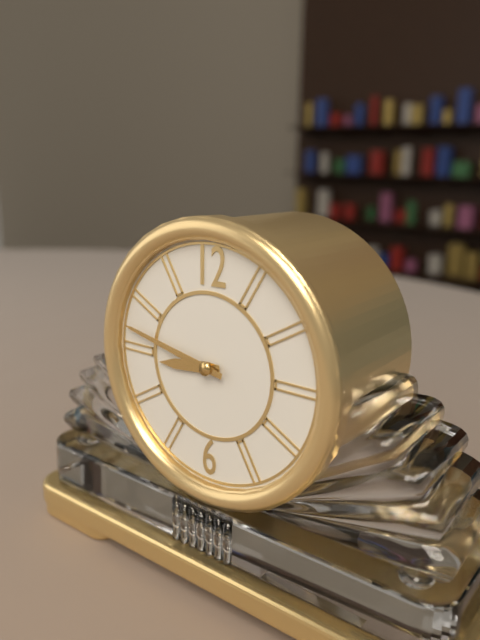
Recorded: 8 h 47 min
